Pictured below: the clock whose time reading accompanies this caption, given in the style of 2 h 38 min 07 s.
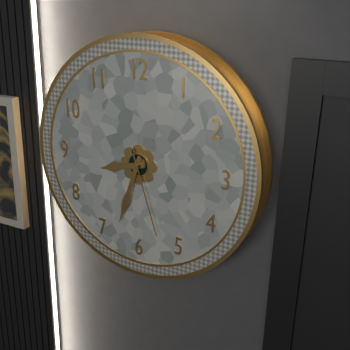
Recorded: 8 h 33 min 27 s
